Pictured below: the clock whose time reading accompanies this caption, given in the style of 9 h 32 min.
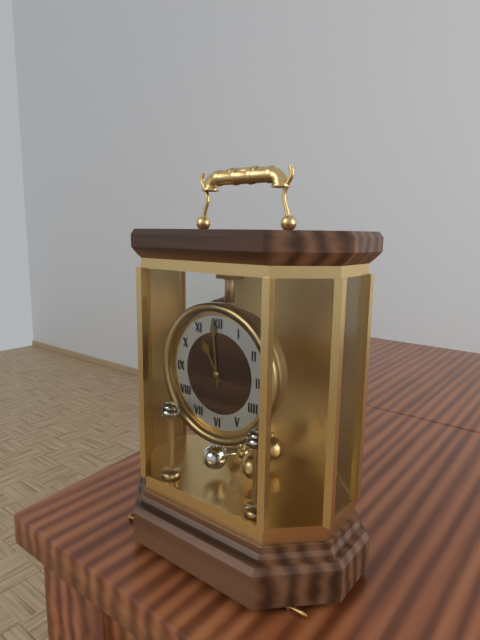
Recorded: 10 h 59 min
